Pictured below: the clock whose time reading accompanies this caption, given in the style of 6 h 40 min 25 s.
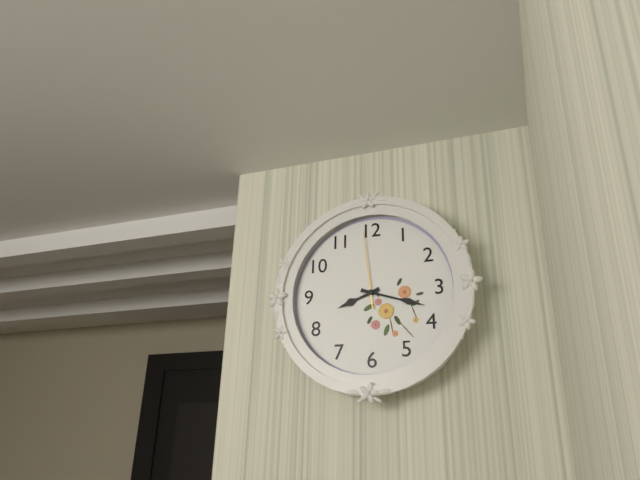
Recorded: 8 h 18 min 59 s
